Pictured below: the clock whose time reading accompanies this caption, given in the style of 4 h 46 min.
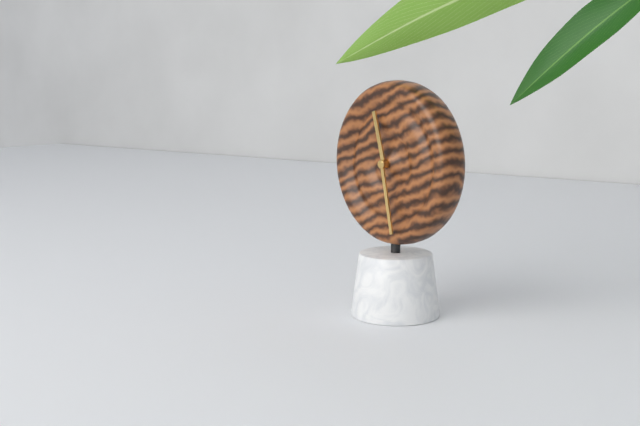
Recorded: 11 h 28 min
